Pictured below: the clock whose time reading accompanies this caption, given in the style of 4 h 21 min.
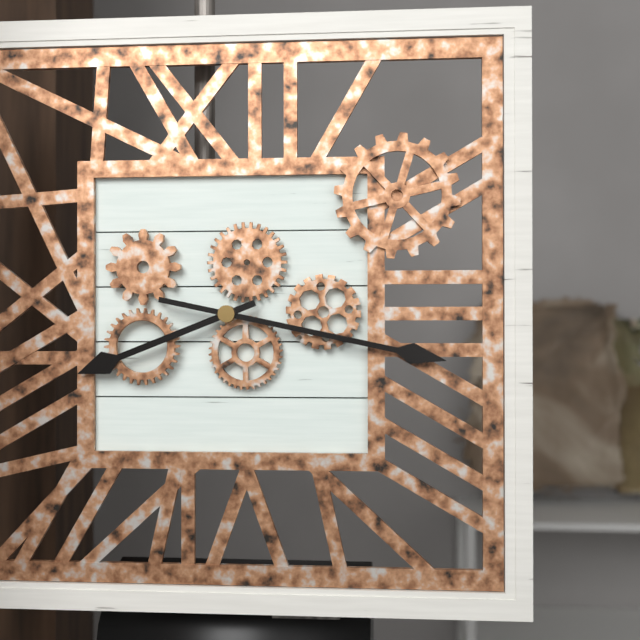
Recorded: 8 h 17 min
